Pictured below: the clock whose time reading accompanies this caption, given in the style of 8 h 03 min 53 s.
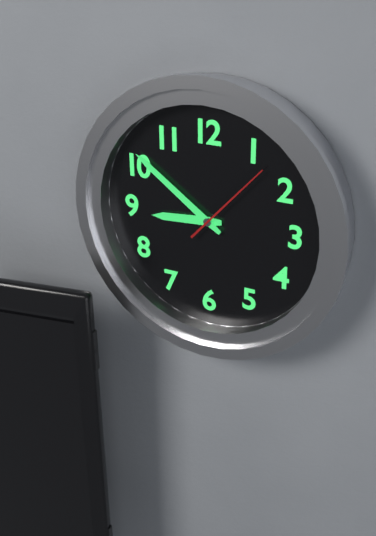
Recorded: 8 h 51 min 07 s
